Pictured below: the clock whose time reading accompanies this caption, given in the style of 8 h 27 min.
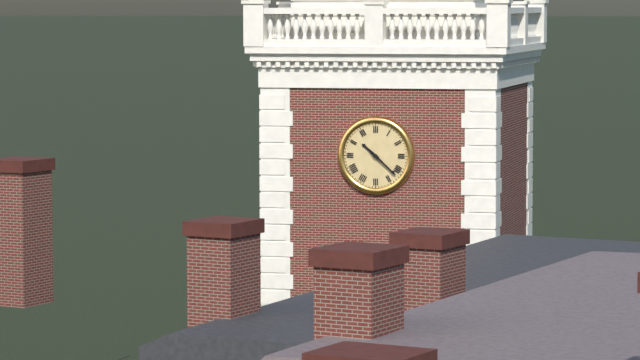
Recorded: 10 h 22 min
